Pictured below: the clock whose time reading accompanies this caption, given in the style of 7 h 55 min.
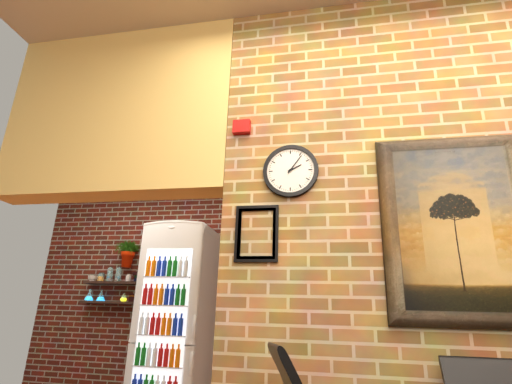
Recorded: 2 h 06 min
